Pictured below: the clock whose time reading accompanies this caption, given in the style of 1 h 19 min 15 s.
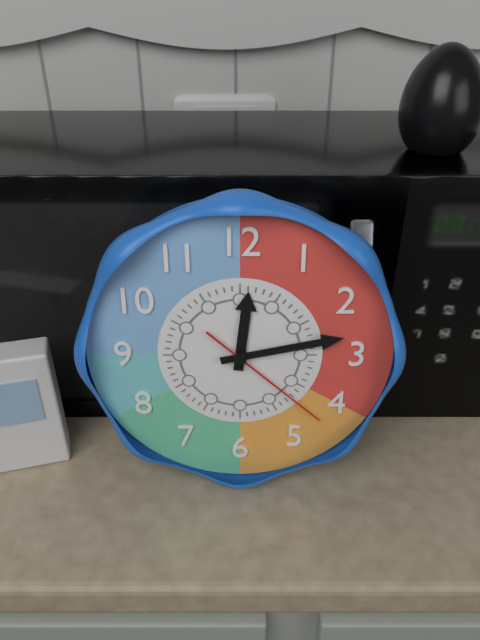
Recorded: 12 h 13 min 22 s
